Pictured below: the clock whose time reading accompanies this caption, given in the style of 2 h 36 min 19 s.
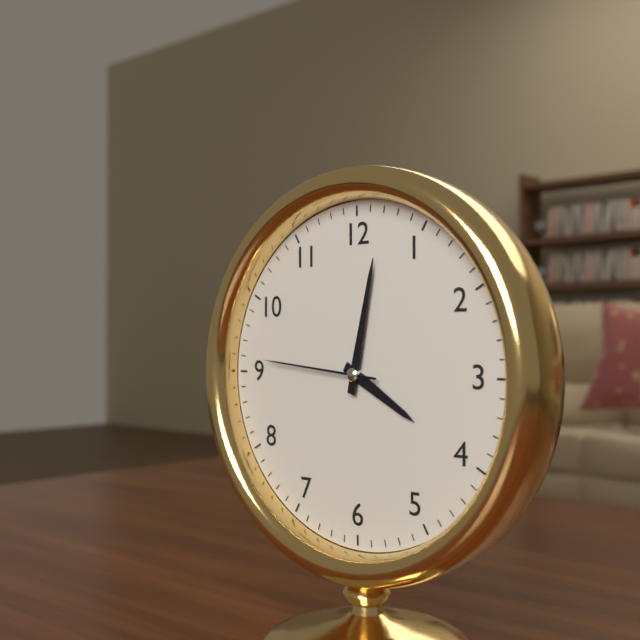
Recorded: 4 h 02 min 46 s
